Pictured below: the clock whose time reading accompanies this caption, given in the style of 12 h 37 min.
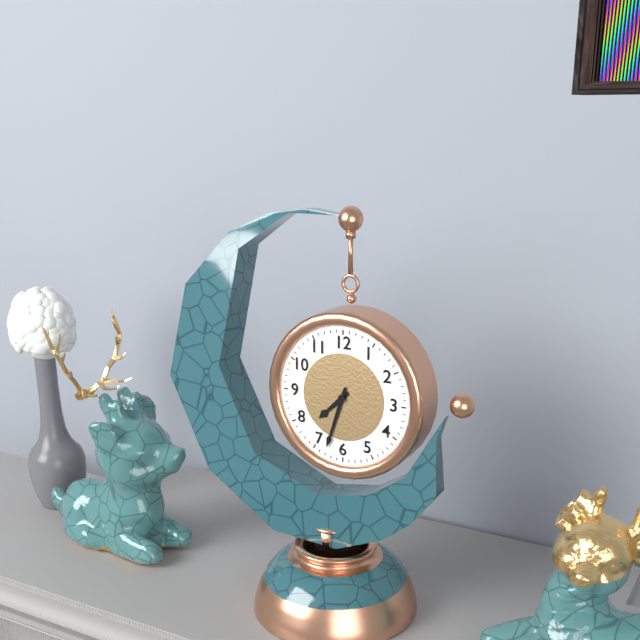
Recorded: 7 h 33 min
